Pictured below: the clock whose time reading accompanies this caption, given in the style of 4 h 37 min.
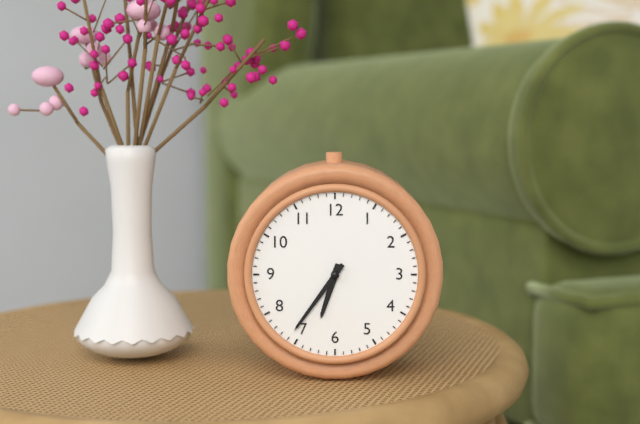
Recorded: 6 h 36 min
